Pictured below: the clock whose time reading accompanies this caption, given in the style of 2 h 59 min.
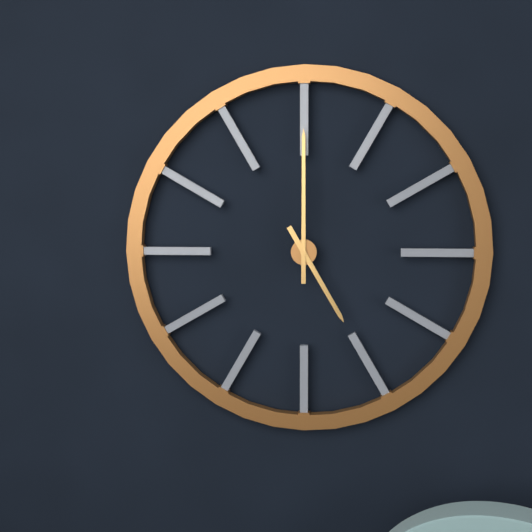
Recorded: 5 h 00 min
